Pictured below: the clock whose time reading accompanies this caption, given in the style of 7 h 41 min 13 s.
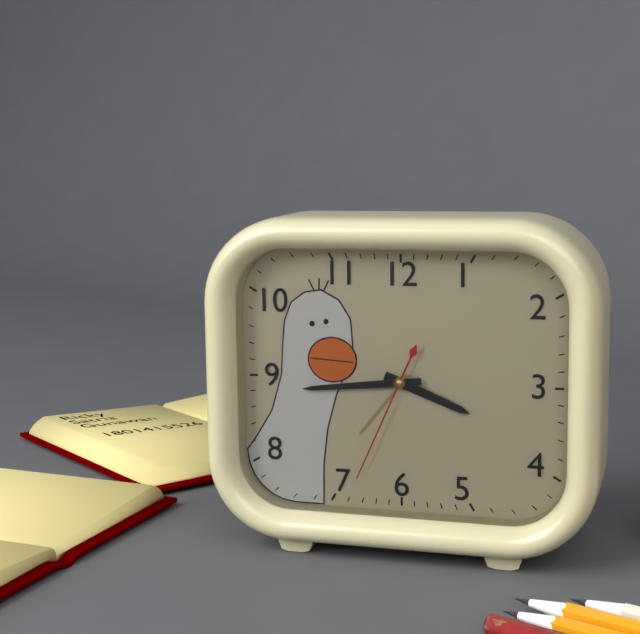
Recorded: 3 h 44 min 34 s
